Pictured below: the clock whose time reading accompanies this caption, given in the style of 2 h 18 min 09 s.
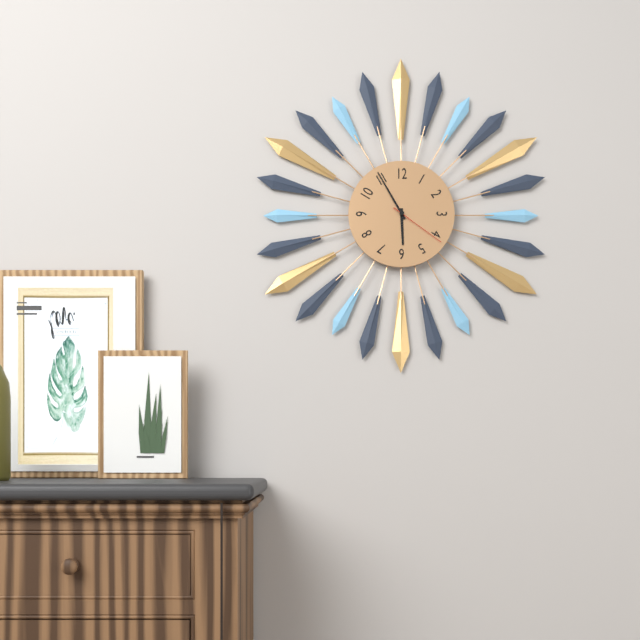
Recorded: 5 h 55 min 21 s
